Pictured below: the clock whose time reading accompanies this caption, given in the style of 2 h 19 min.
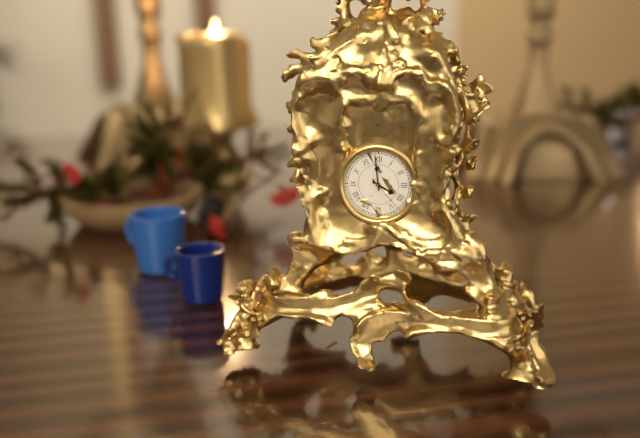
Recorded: 3 h 59 min
